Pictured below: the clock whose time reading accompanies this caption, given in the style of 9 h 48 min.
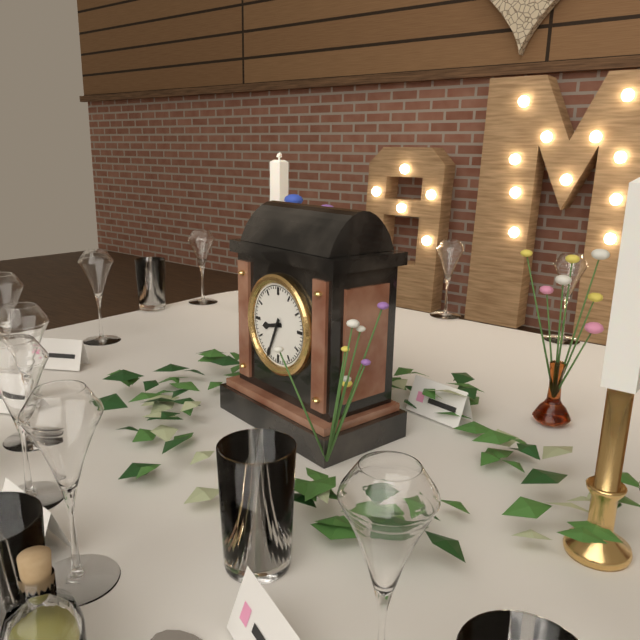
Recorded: 8 h 34 min
